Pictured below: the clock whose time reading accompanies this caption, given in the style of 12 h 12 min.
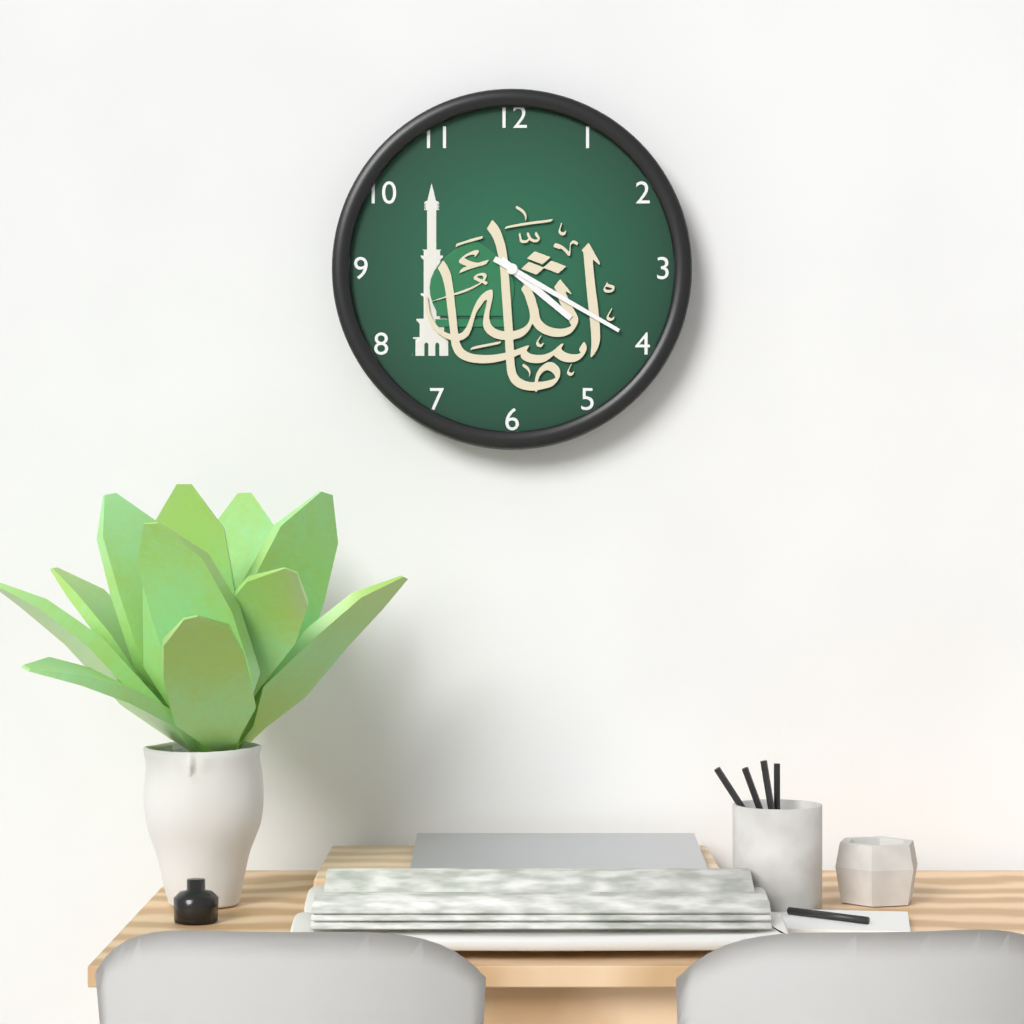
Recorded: 4 h 20 min
